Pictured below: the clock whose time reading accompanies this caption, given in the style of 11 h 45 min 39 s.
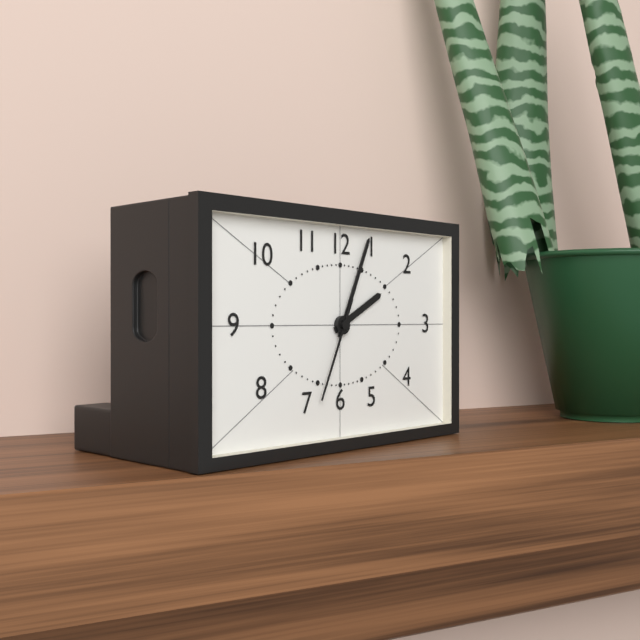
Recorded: 2 h 04 min 34 s
